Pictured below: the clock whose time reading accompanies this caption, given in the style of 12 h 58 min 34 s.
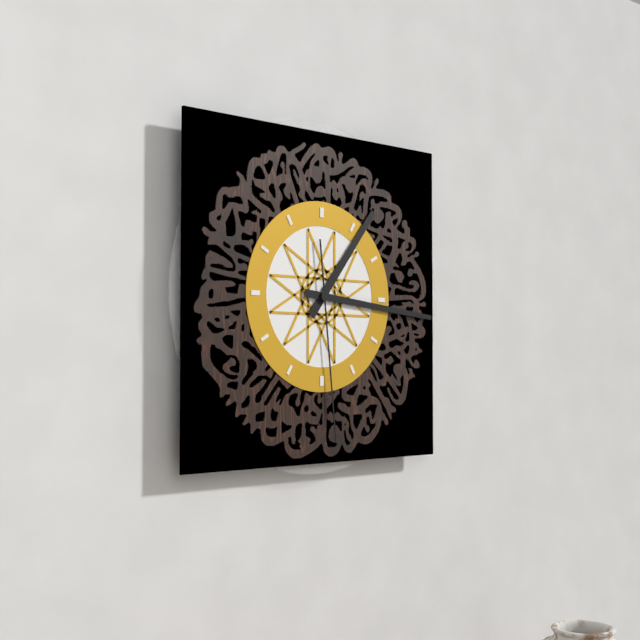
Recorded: 1 h 16 min 29 s
